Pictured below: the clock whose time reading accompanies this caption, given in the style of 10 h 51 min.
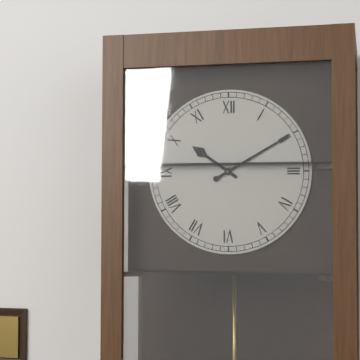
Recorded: 10 h 10 min
